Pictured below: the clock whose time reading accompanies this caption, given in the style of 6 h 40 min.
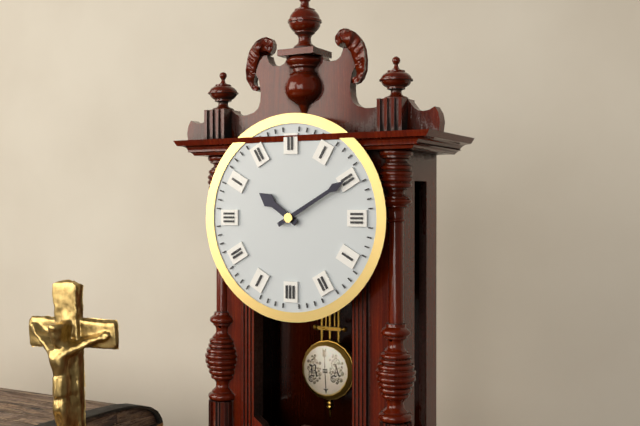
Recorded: 10 h 10 min
